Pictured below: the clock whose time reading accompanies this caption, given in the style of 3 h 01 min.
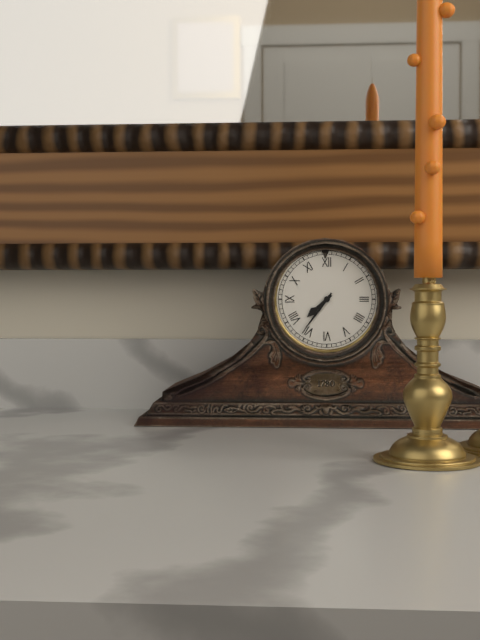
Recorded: 7 h 36 min
